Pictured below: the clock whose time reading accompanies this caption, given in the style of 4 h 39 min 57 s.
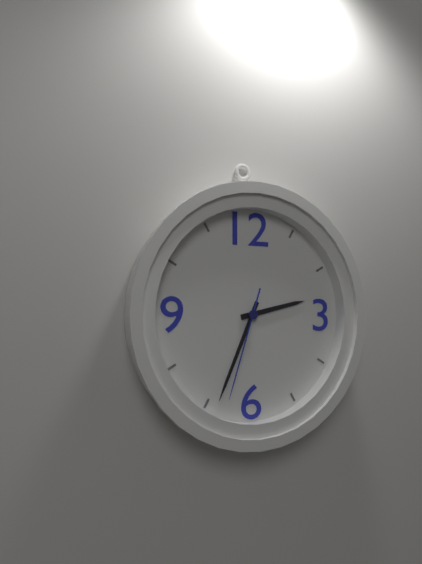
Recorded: 2 h 34 min 33 s
